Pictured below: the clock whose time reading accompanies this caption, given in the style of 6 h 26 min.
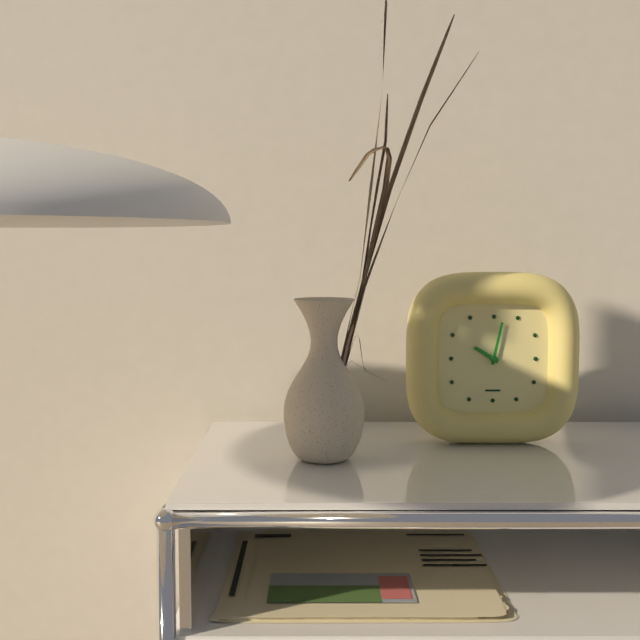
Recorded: 10 h 02 min
